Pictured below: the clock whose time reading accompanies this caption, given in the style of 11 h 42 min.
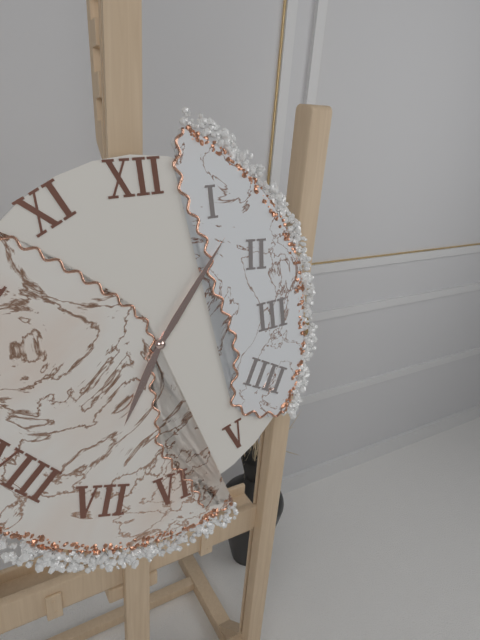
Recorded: 7 h 07 min
